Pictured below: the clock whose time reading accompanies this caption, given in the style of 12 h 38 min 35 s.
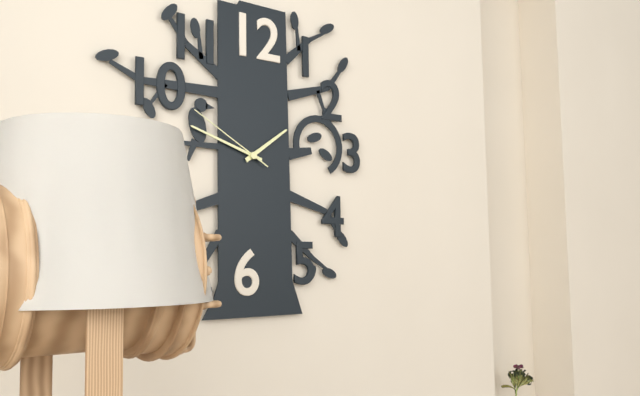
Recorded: 1 h 48 min 50 s
